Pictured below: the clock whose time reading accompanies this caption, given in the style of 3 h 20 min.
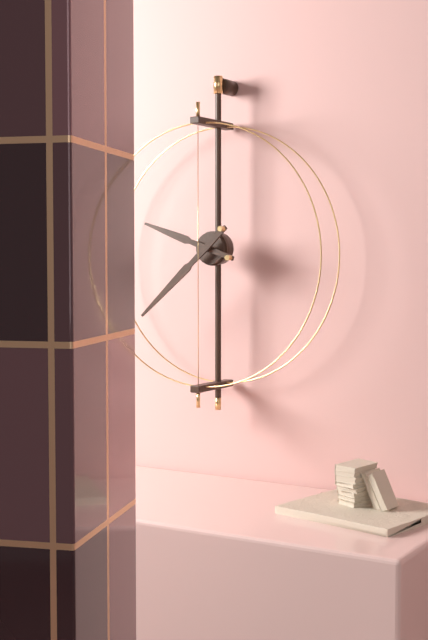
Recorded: 9 h 38 min
